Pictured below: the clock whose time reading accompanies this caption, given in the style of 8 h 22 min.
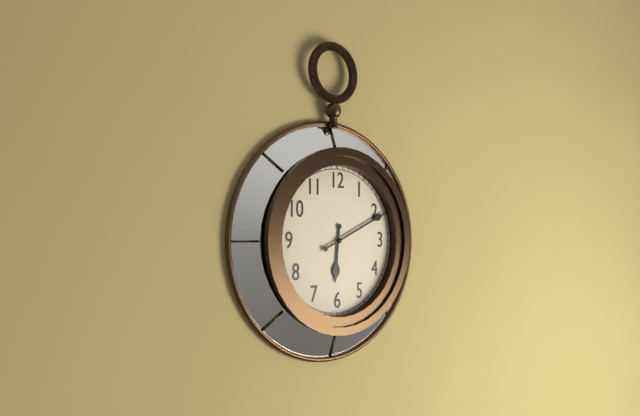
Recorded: 6 h 11 min
